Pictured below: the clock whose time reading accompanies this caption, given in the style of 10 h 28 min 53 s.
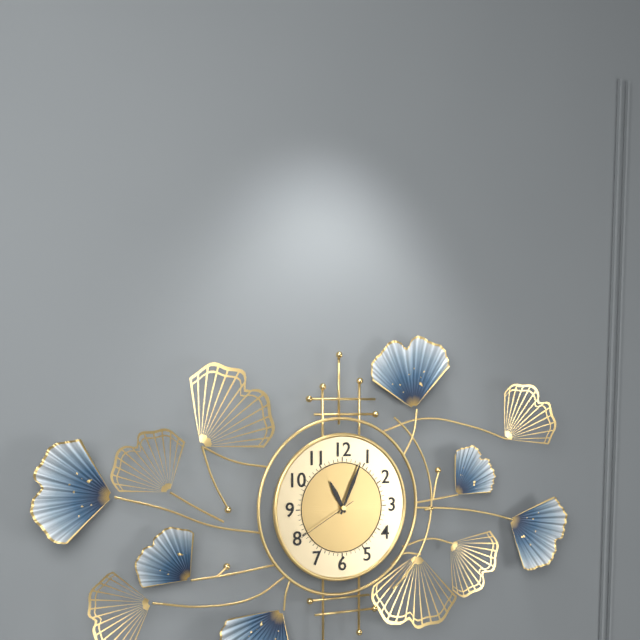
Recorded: 11 h 04 min 40 s
